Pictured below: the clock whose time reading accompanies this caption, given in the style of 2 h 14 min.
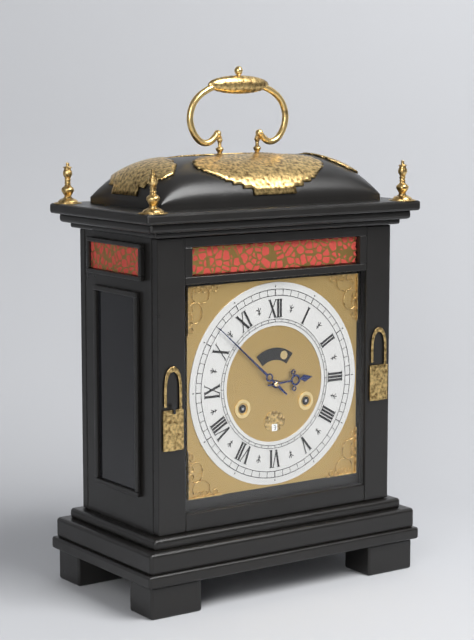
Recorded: 2 h 52 min
